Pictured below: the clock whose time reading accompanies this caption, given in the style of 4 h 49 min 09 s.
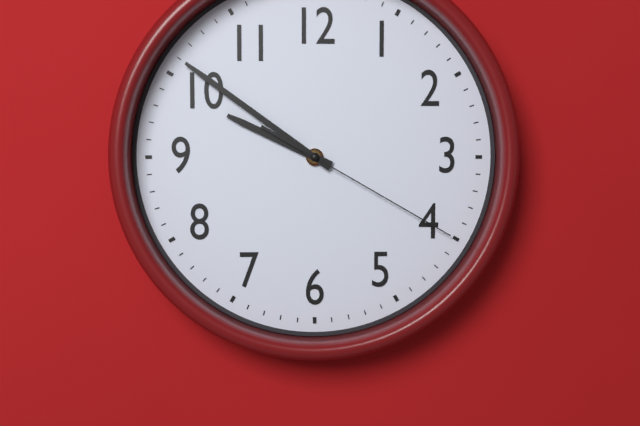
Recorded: 9 h 51 min 20 s
